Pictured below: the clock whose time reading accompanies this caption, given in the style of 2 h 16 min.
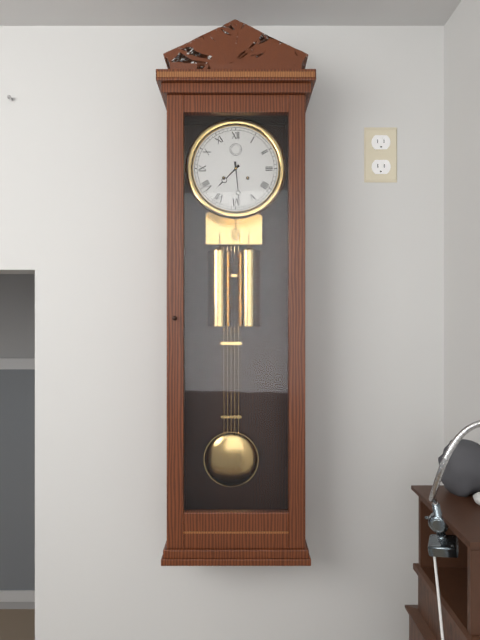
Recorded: 7 h 29 min
